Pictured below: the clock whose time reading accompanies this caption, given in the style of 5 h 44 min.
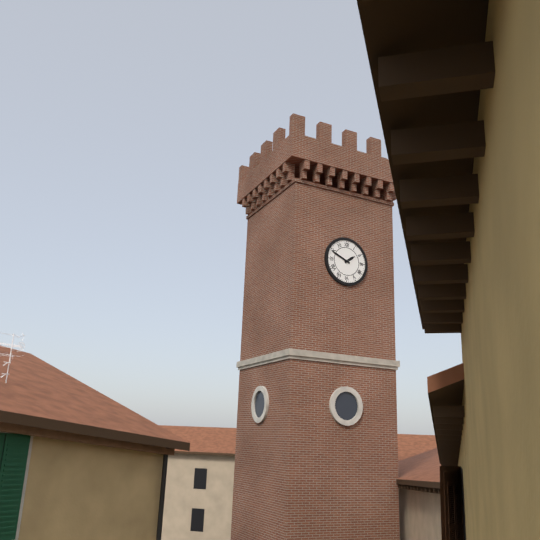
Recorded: 1 h 49 min
